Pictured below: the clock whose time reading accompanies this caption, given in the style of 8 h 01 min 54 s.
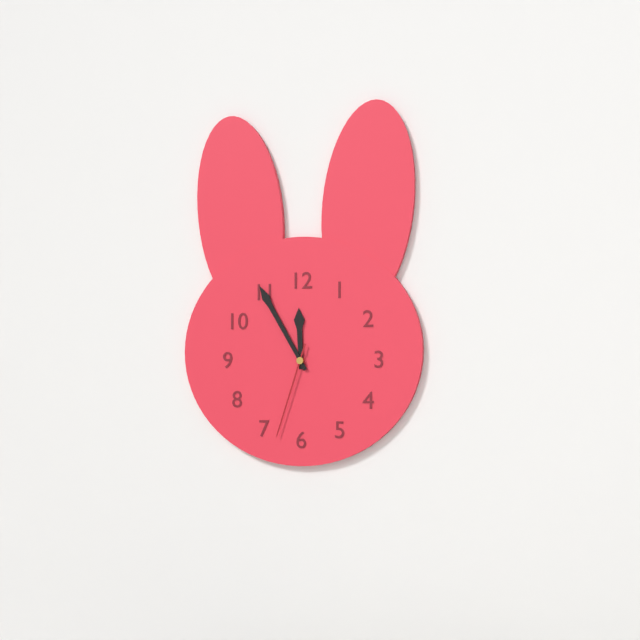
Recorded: 11 h 55 min 33 s
